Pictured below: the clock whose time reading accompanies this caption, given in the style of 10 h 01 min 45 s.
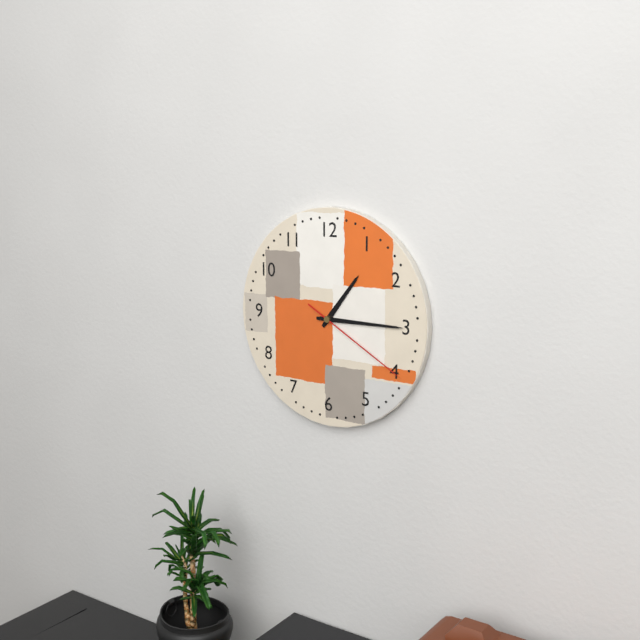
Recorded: 1 h 15 min 20 s
